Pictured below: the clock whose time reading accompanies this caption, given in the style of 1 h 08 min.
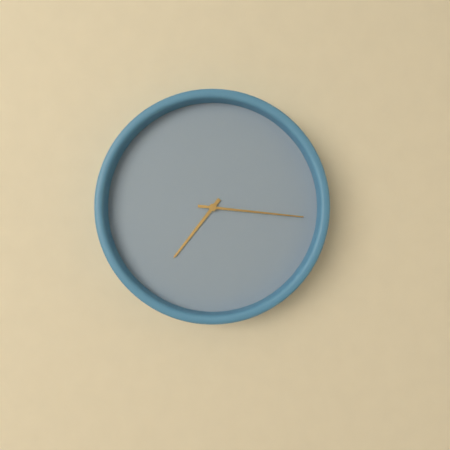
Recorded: 7 h 16 min
